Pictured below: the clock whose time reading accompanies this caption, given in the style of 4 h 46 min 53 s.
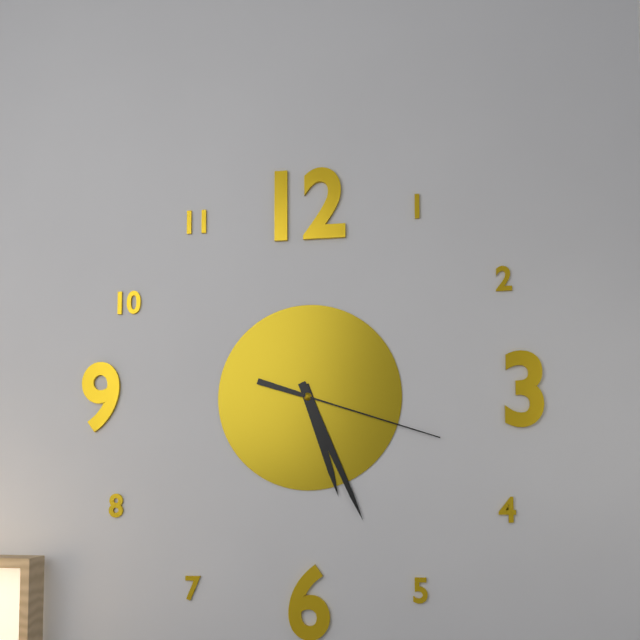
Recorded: 5 h 26 min 18 s
